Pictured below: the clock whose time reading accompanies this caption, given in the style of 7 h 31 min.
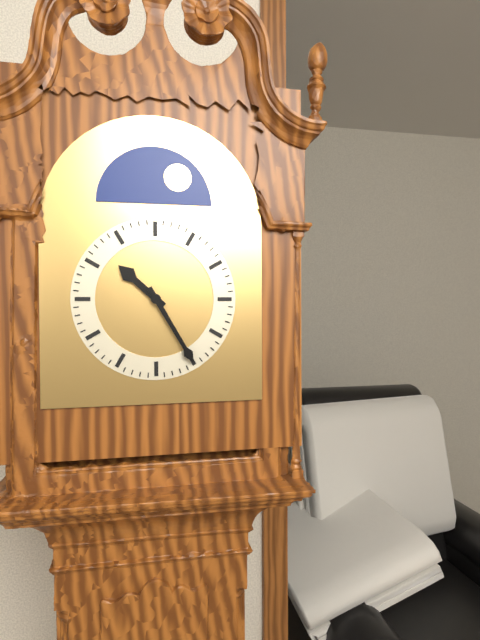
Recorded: 10 h 25 min
